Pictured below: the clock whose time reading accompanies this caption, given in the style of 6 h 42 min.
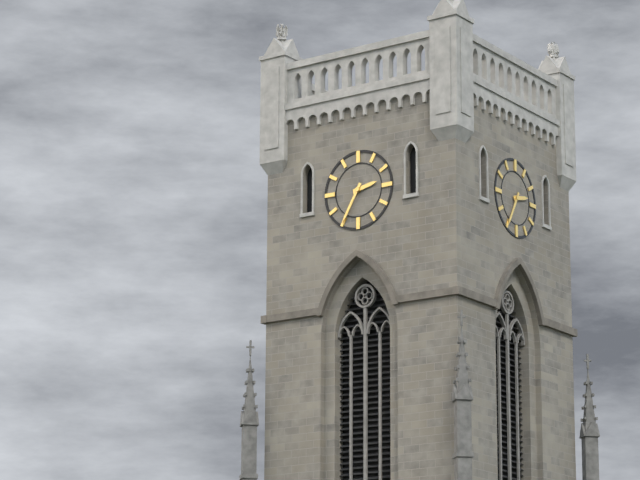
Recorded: 2 h 35 min
